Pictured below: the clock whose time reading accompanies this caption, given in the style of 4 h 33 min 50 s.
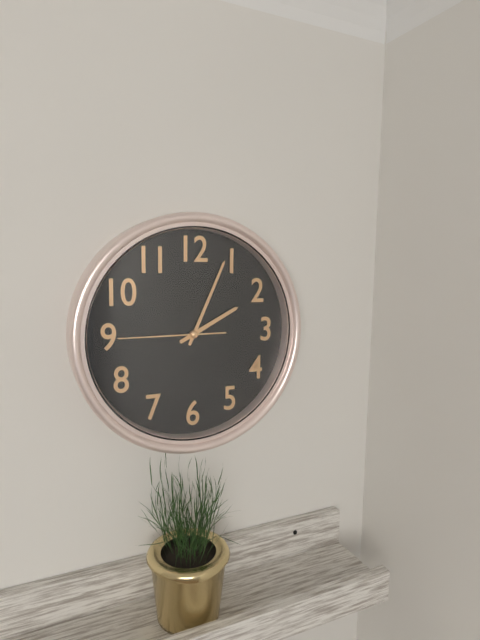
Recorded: 2 h 04 min 45 s
